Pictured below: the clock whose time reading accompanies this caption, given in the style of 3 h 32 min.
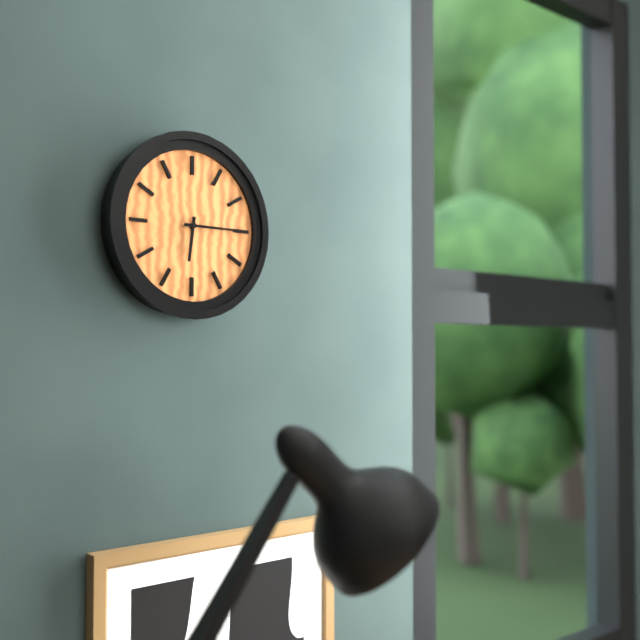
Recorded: 6 h 15 min
